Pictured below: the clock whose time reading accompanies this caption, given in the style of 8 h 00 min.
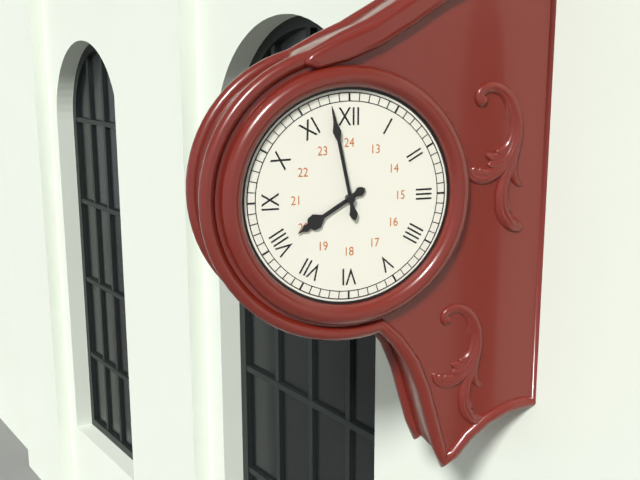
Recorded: 7 h 58 min
